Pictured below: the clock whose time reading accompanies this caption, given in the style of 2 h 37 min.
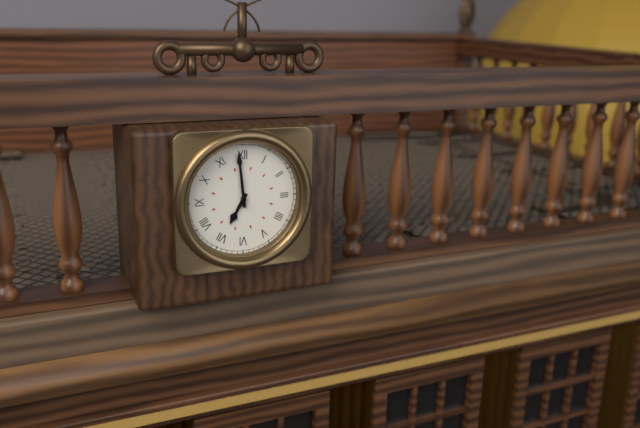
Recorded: 6 h 59 min
